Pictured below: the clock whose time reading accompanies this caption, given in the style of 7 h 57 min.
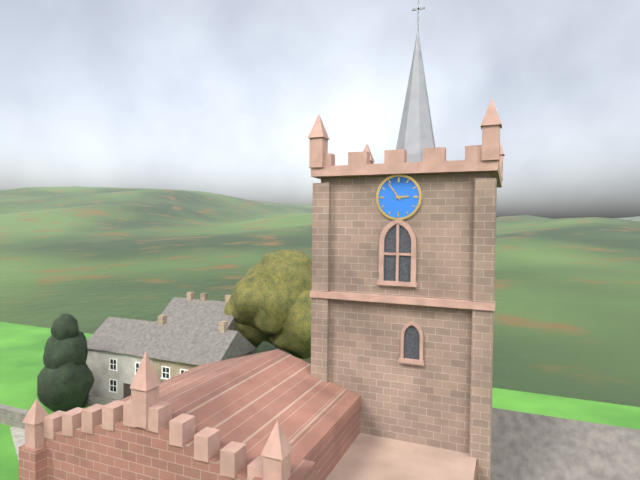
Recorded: 2 h 54 min
